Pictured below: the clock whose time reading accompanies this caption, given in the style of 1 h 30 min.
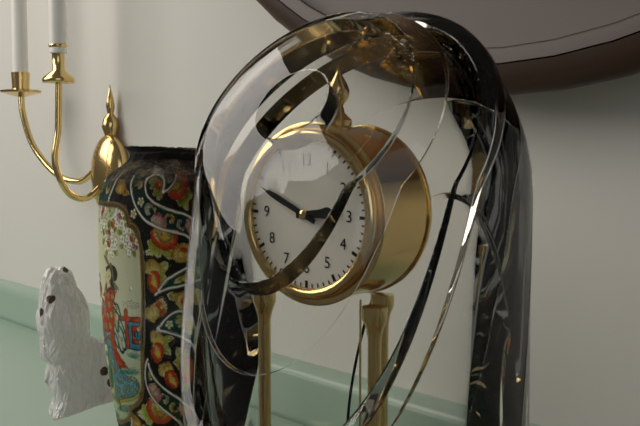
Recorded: 2 h 49 min
